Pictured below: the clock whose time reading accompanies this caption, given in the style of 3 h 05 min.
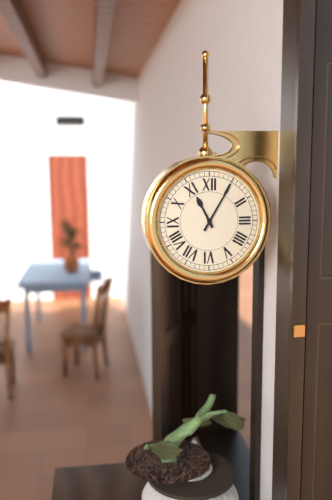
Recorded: 11 h 05 min
